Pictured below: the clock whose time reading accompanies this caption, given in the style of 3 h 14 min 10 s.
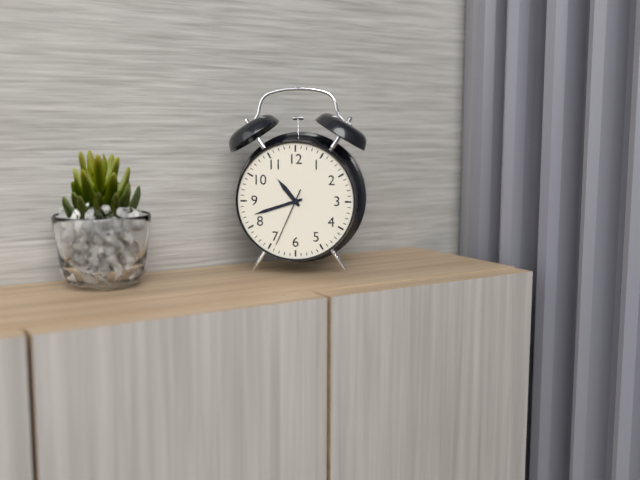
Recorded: 10 h 42 min 34 s
